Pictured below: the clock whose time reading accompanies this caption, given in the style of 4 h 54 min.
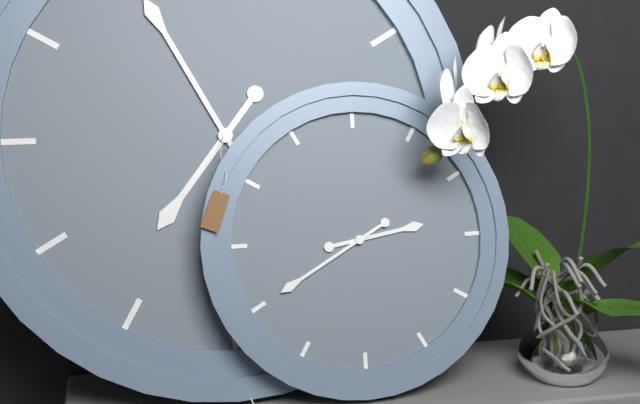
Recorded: 2 h 40 min
